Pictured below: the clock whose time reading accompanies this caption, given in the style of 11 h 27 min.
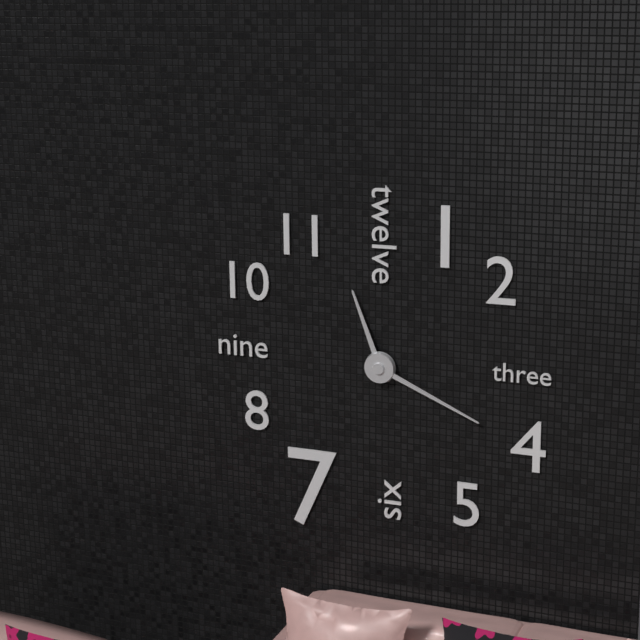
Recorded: 11 h 19 min
